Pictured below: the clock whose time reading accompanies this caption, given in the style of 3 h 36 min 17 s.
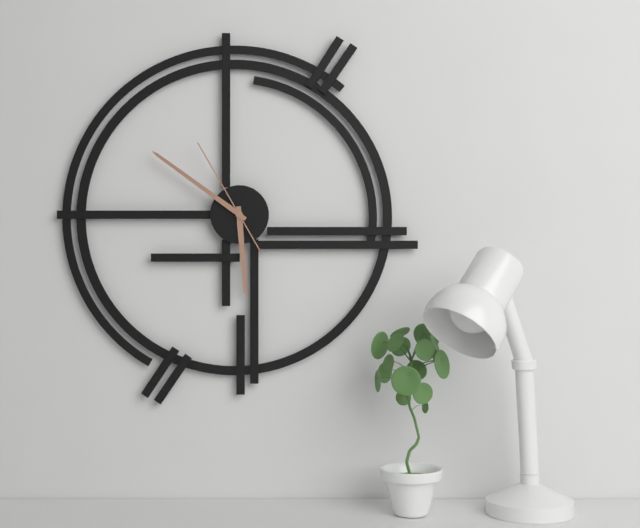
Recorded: 5 h 51 min 55 s
